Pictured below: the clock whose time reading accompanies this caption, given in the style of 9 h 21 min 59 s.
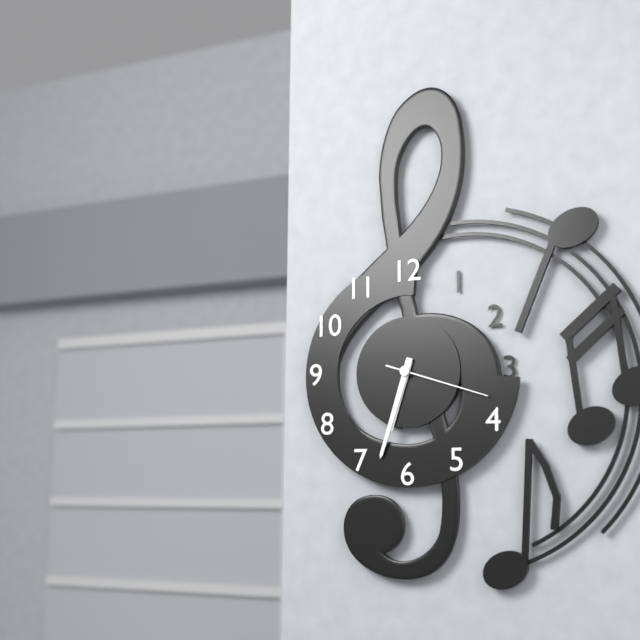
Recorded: 6 h 33 min 18 s
